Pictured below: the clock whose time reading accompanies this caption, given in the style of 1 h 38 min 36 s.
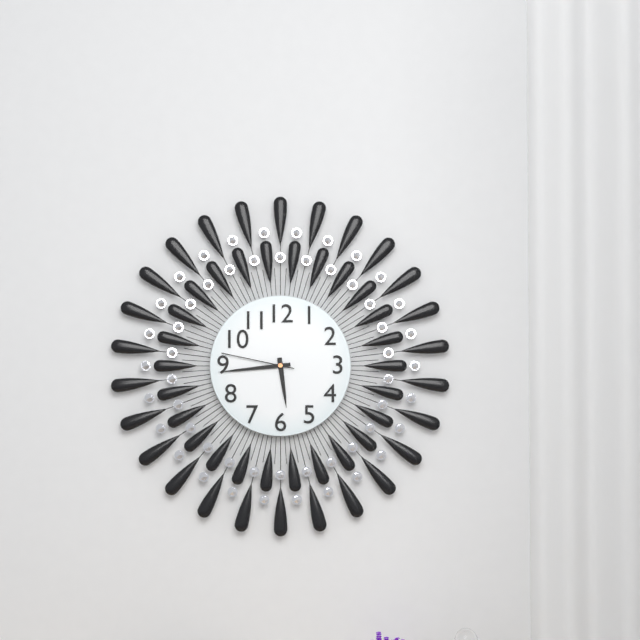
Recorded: 5 h 44 min 47 s
